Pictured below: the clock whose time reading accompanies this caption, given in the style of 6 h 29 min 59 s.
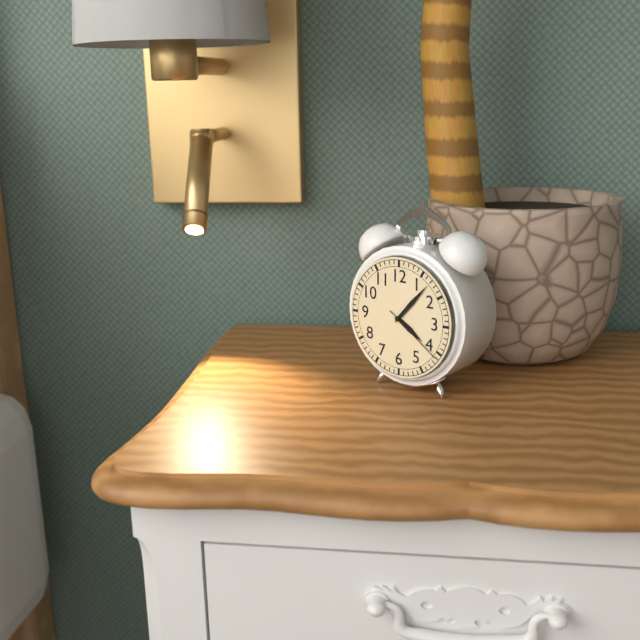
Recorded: 4 h 07 min 21 s
